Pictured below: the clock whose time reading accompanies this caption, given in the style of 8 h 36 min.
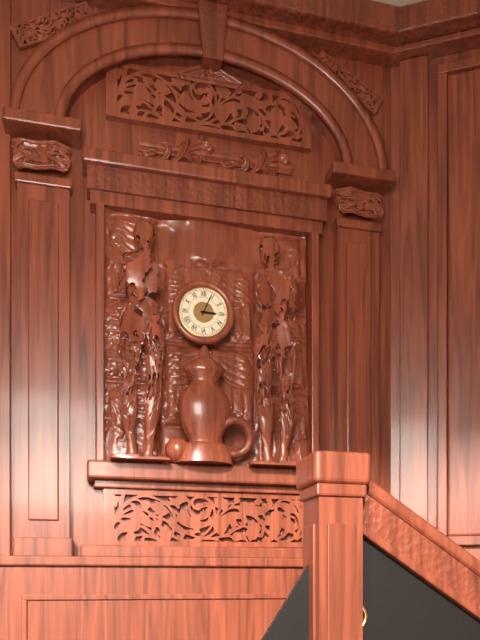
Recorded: 3 h 04 min
